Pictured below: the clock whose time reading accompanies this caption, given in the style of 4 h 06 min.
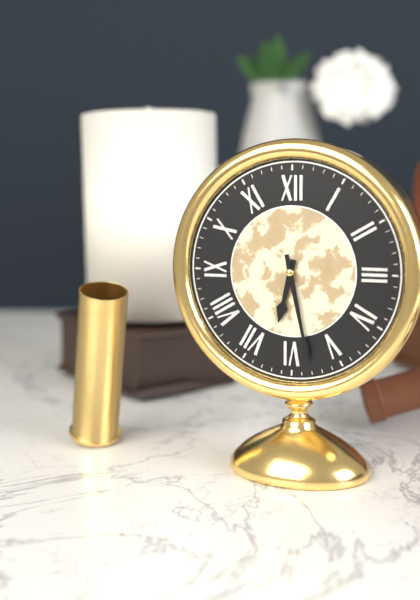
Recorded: 6 h 28 min
